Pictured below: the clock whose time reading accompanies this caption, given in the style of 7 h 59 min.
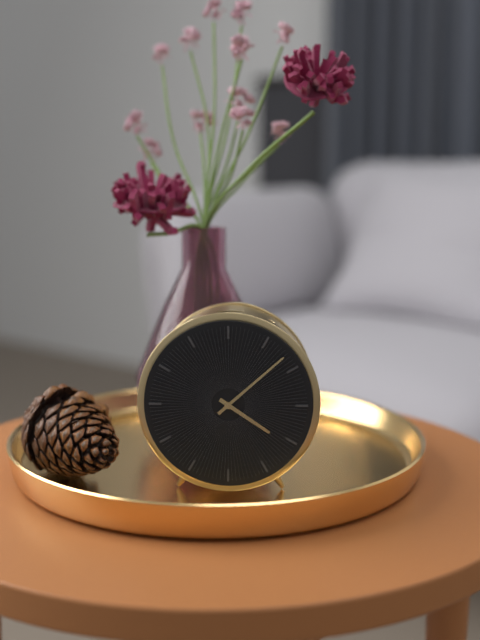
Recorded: 4 h 08 min
